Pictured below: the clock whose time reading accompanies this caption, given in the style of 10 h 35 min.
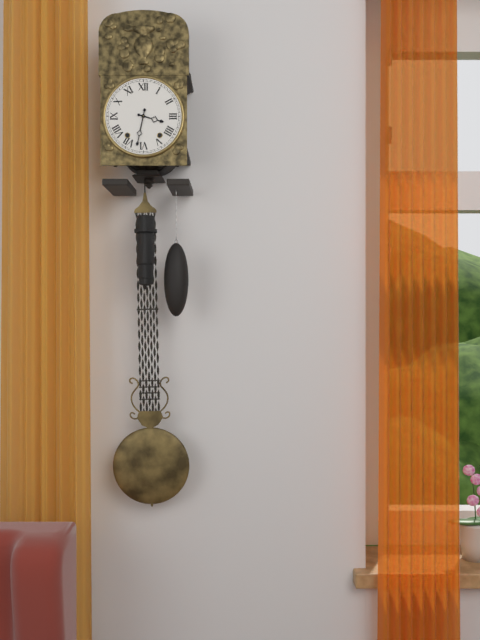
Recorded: 3 h 32 min
